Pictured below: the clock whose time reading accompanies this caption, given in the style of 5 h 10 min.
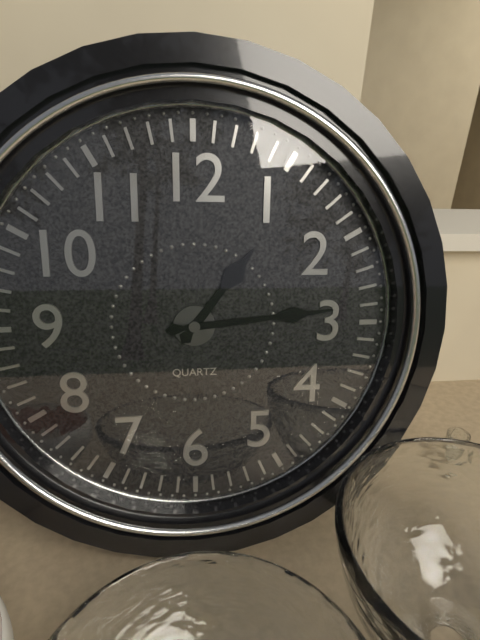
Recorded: 1 h 14 min
